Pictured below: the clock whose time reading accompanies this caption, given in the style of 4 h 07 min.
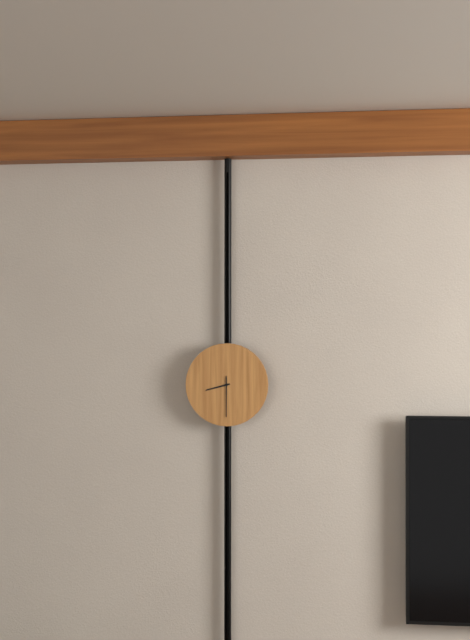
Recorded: 8 h 30 min
